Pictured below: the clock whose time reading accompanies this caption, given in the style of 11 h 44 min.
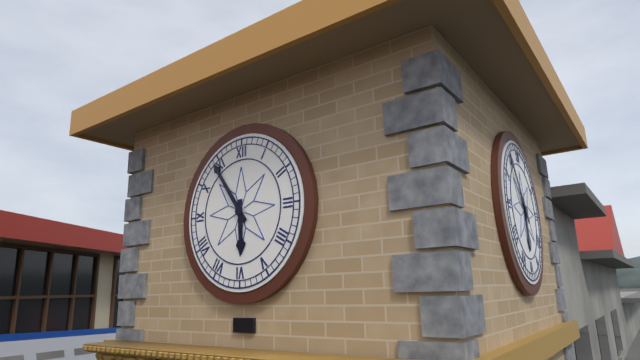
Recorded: 5 h 54 min
